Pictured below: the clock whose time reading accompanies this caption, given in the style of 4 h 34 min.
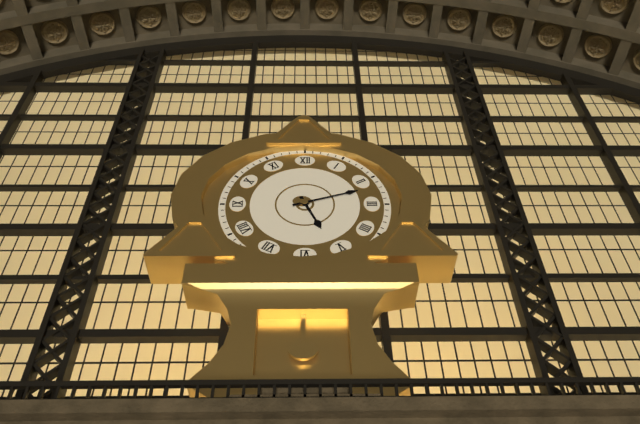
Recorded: 5 h 12 min
